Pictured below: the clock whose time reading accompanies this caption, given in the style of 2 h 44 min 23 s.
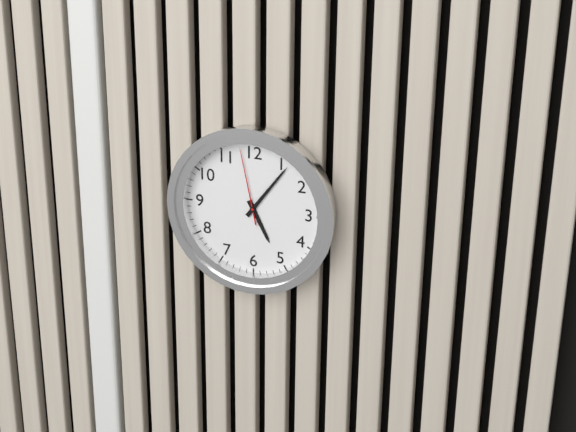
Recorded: 5 h 06 min 58 s
